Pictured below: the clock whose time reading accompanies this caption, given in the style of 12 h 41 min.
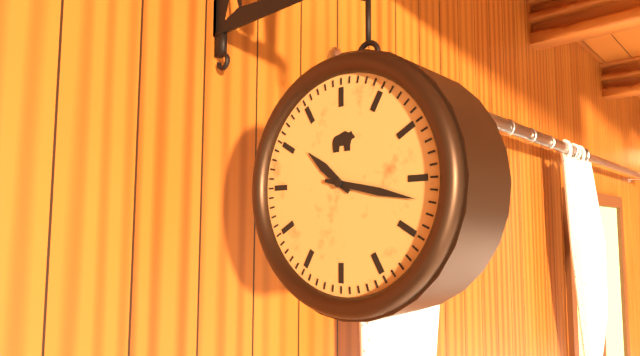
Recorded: 10 h 17 min
